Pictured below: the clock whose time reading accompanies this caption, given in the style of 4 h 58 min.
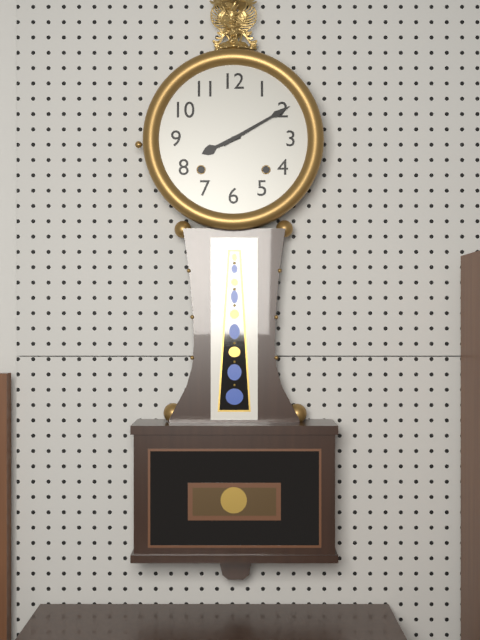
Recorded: 8 h 10 min
